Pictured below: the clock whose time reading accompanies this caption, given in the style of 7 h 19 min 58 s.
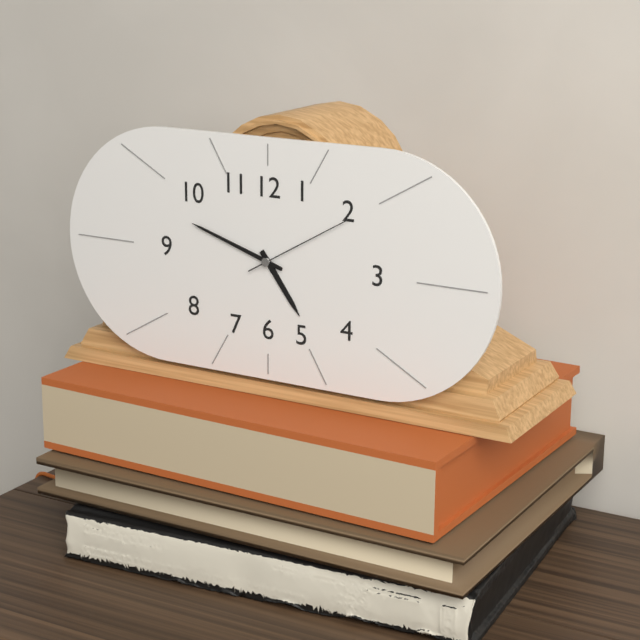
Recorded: 4 h 48 min 10 s
